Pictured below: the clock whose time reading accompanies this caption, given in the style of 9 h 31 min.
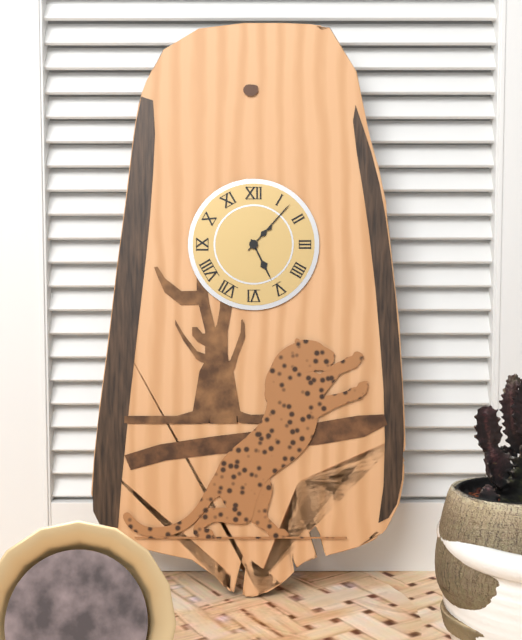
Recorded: 5 h 07 min
